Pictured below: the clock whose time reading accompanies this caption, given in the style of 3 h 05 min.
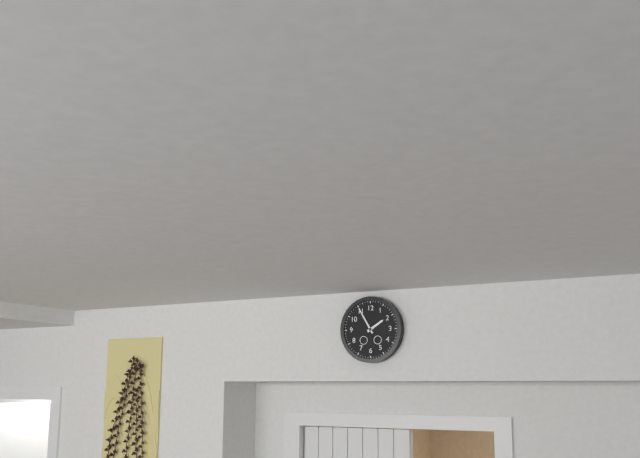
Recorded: 1 h 55 min
